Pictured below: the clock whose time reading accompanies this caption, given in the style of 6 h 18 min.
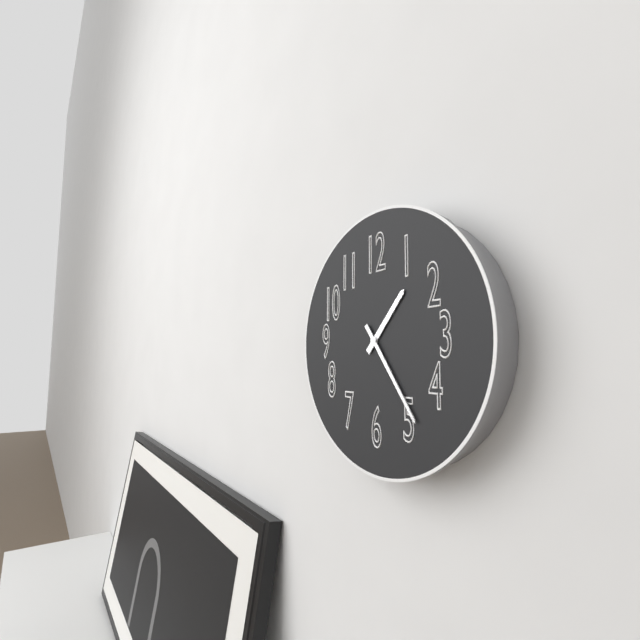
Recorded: 1 h 24 min
